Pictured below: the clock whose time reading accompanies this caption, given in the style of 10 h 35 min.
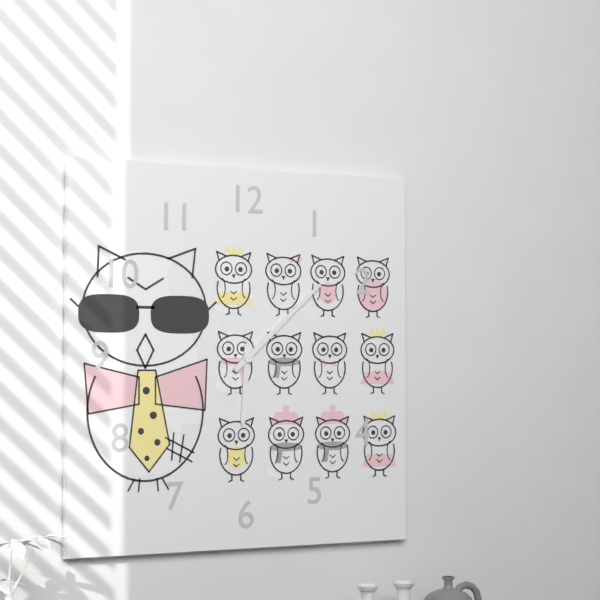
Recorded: 6 h 08 min
